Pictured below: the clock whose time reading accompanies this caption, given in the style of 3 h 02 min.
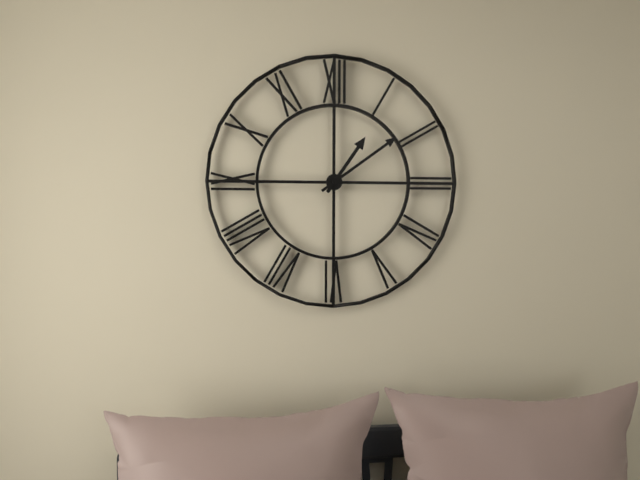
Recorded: 1 h 09 min
